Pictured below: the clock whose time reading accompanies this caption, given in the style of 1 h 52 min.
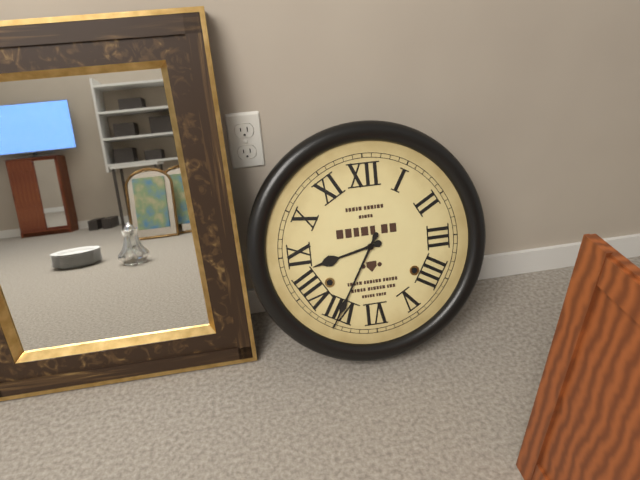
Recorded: 8 h 35 min
